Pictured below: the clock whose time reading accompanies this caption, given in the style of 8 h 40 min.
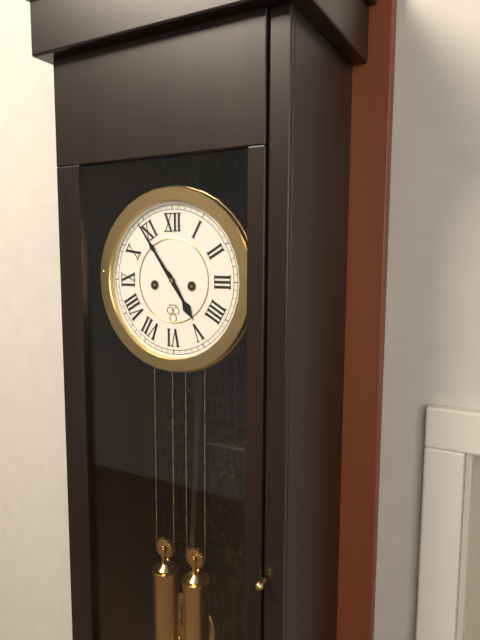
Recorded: 4 h 54 min
